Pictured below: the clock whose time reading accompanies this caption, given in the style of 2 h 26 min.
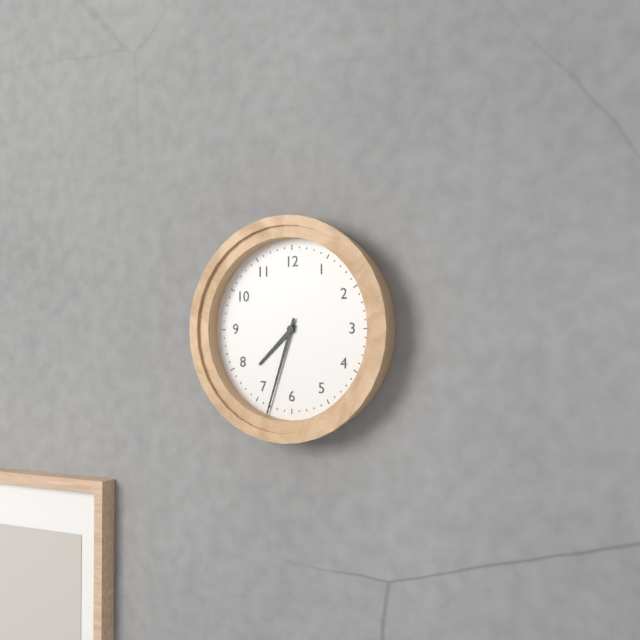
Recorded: 7 h 33 min
